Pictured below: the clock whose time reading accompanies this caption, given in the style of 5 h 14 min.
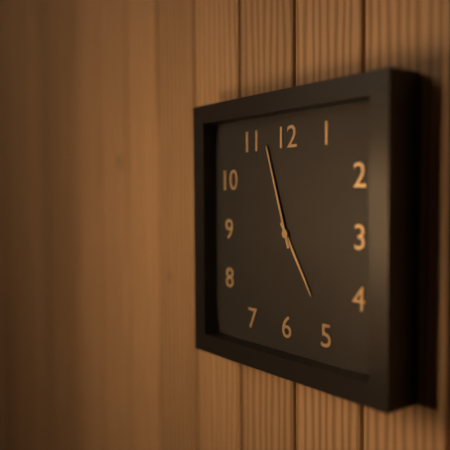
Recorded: 4 h 57 min
